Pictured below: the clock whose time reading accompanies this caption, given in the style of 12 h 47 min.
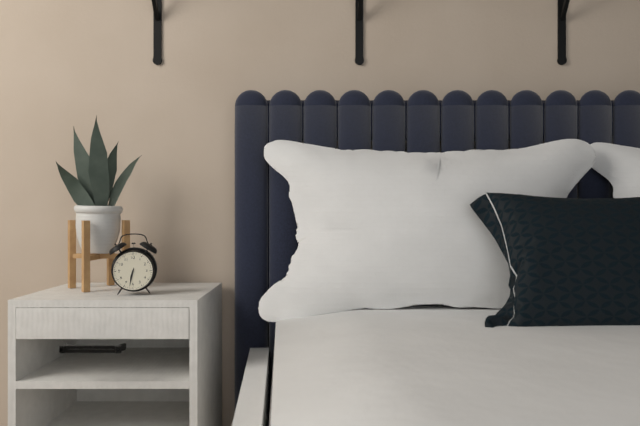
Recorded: 6 h 32 min
